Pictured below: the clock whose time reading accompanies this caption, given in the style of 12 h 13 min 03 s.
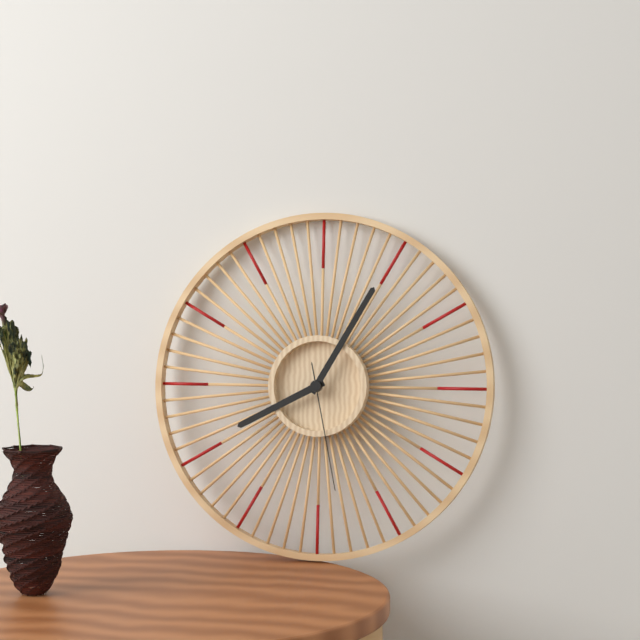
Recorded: 8 h 05 min 28 s
